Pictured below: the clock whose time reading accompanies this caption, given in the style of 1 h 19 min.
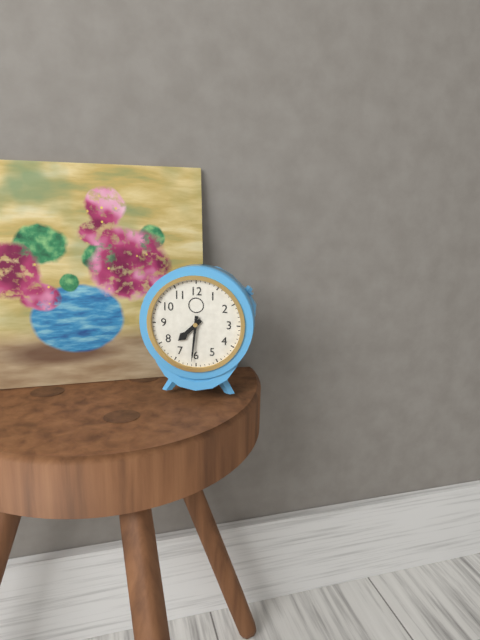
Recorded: 7 h 31 min
